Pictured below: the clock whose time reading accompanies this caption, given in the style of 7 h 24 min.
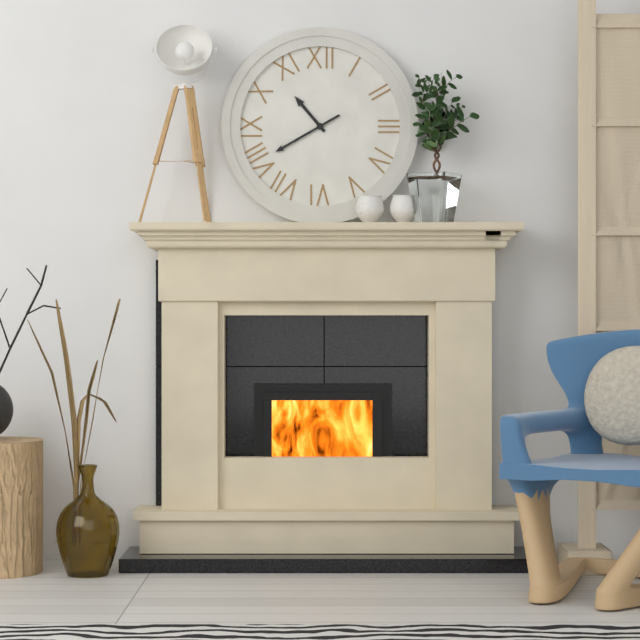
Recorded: 10 h 40 min
